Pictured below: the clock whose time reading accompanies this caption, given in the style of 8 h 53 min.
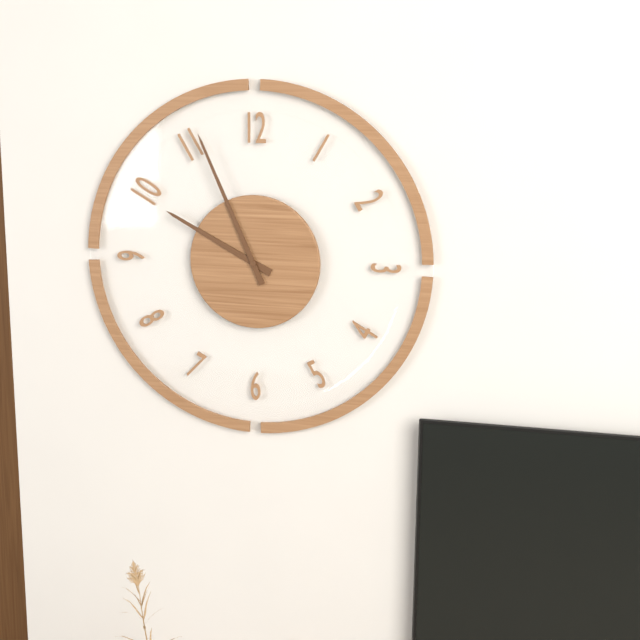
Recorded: 9 h 56 min
